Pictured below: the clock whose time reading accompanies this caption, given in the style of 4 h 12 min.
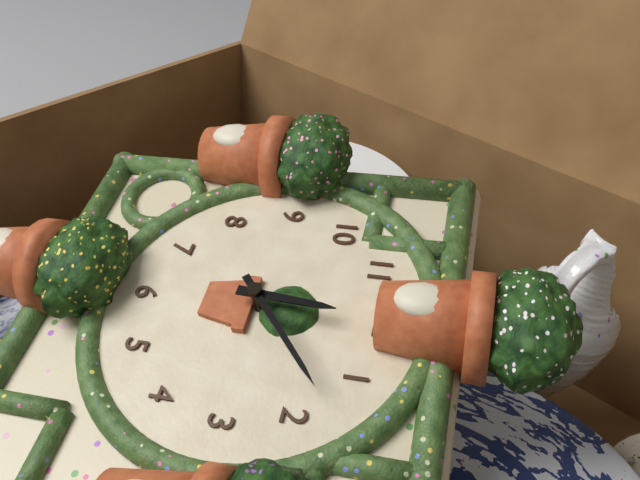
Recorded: 12 h 08 min
